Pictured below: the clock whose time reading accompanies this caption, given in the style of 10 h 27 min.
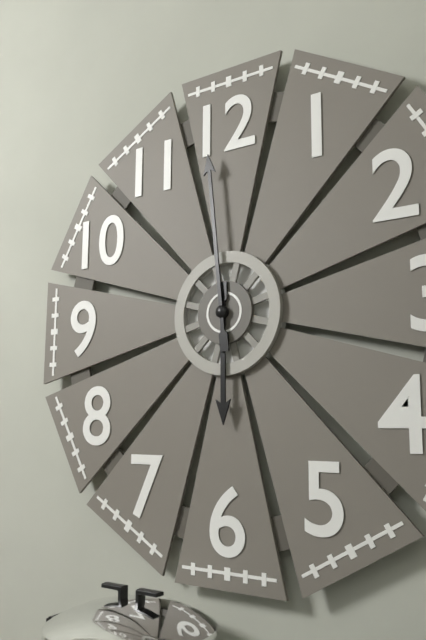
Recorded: 5 h 59 min
